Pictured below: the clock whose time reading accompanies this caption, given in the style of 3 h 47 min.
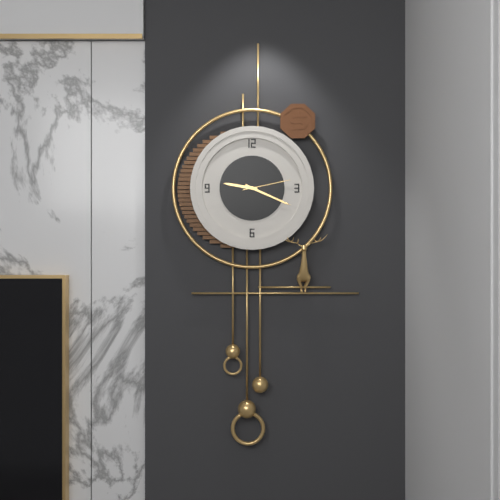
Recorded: 9 h 19 min
